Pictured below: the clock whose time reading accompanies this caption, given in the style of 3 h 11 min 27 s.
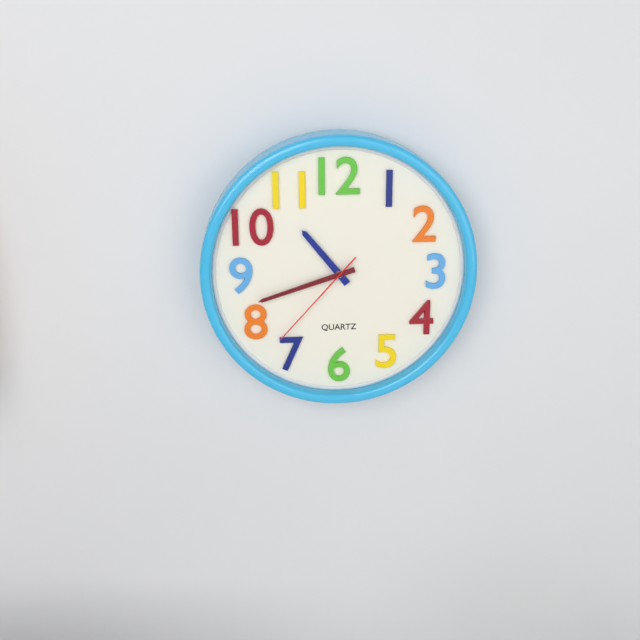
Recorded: 10 h 42 min 37 s
